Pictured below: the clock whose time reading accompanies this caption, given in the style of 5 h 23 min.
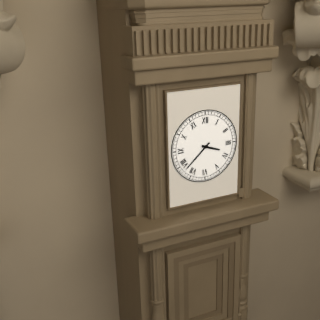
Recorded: 3 h 38 min
